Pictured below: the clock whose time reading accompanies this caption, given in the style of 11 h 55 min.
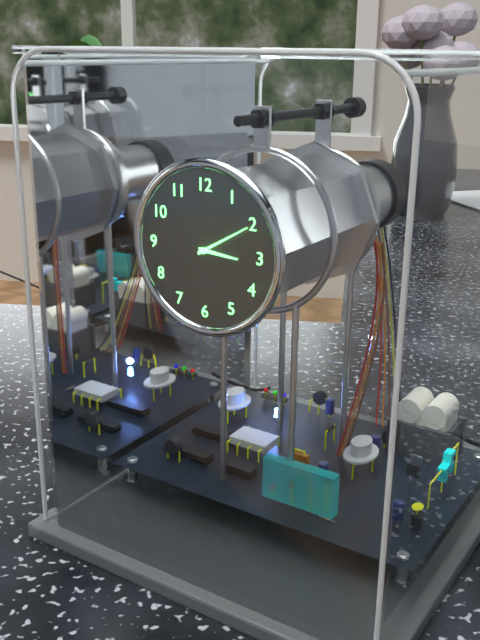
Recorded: 3 h 10 min
